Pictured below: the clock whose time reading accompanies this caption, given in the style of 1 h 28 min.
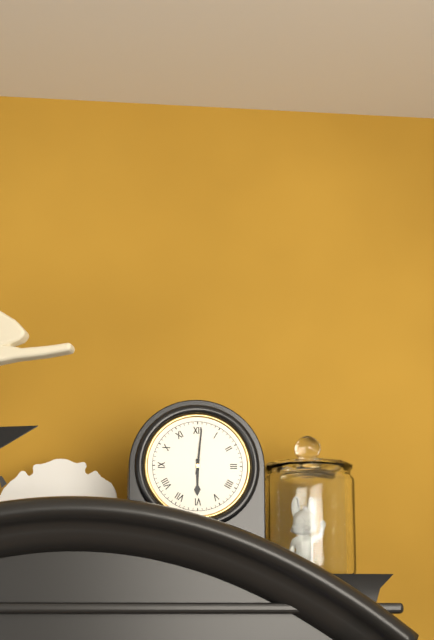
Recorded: 6 h 01 min
